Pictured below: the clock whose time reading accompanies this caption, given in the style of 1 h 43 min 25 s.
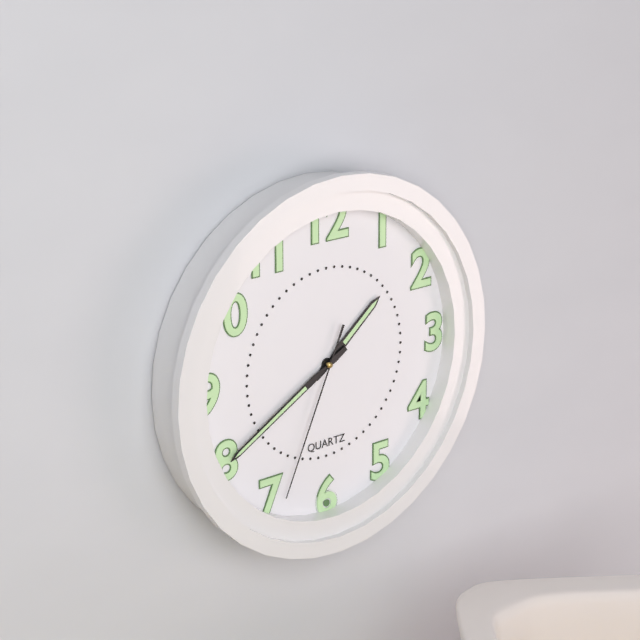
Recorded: 1 h 40 min 34 s
